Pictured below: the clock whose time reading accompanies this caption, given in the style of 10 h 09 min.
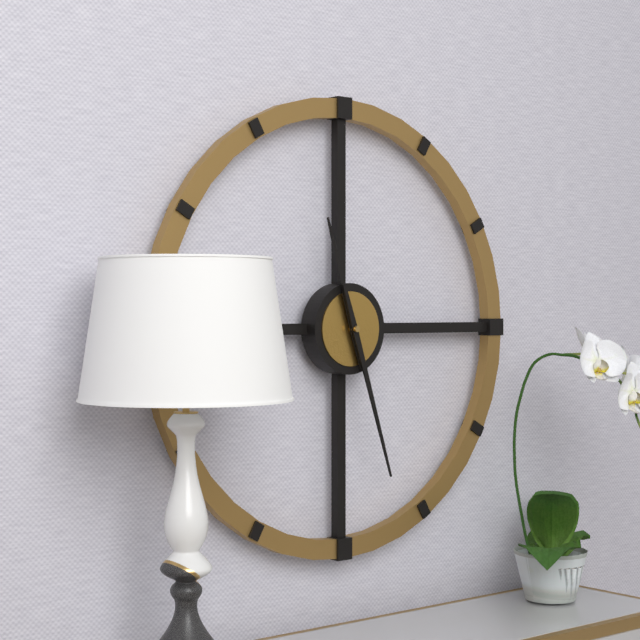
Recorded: 11 h 27 min
